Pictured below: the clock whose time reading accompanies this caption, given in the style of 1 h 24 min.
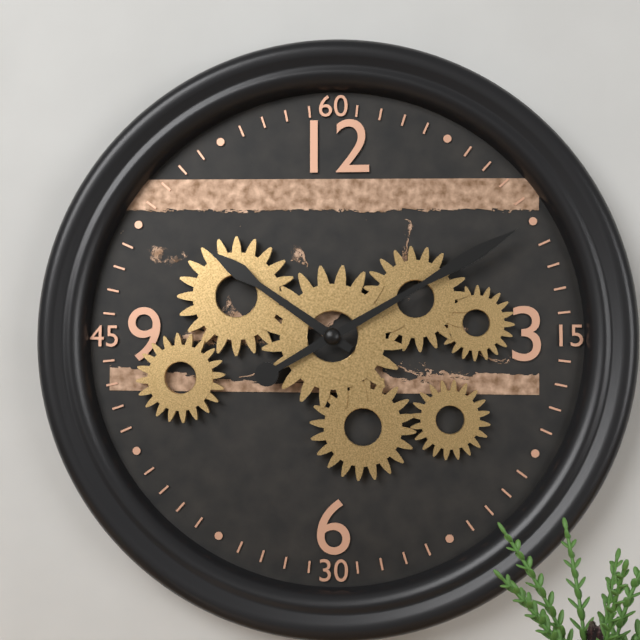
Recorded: 10 h 10 min
